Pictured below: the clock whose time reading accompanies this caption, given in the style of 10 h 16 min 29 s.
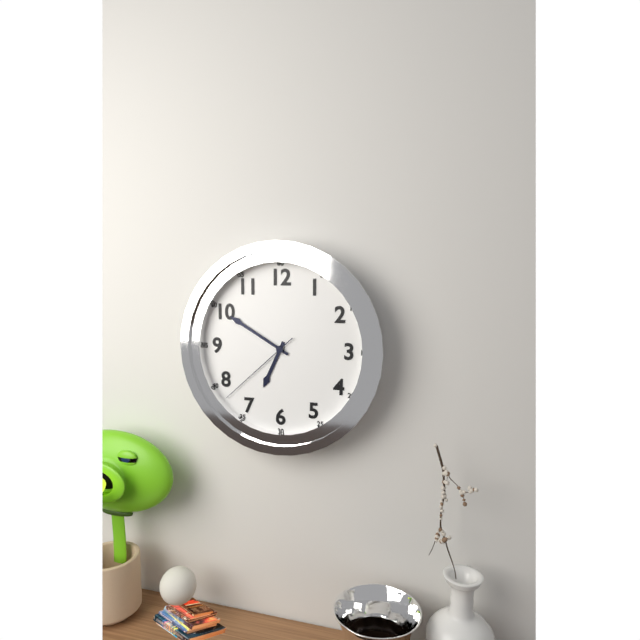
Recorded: 6 h 50 min 38 s
